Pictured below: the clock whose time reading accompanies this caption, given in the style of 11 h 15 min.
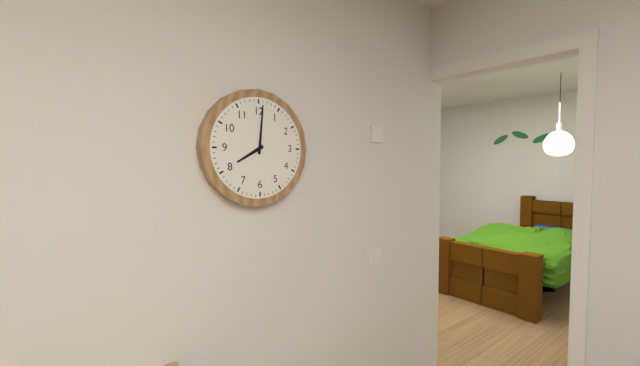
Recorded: 8 h 01 min
